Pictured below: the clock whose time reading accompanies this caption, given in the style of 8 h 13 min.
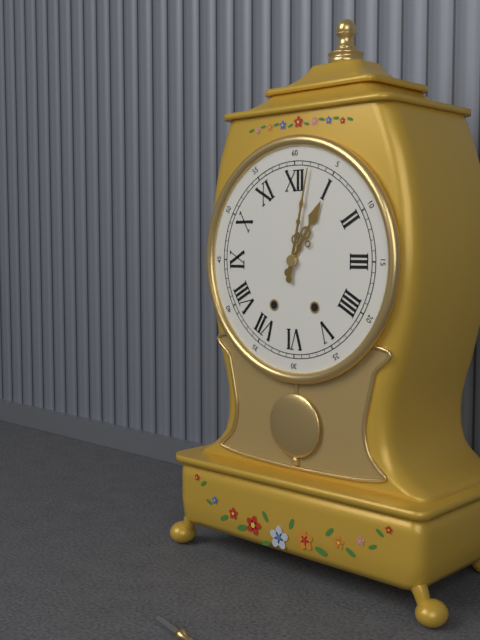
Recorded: 1 h 02 min
